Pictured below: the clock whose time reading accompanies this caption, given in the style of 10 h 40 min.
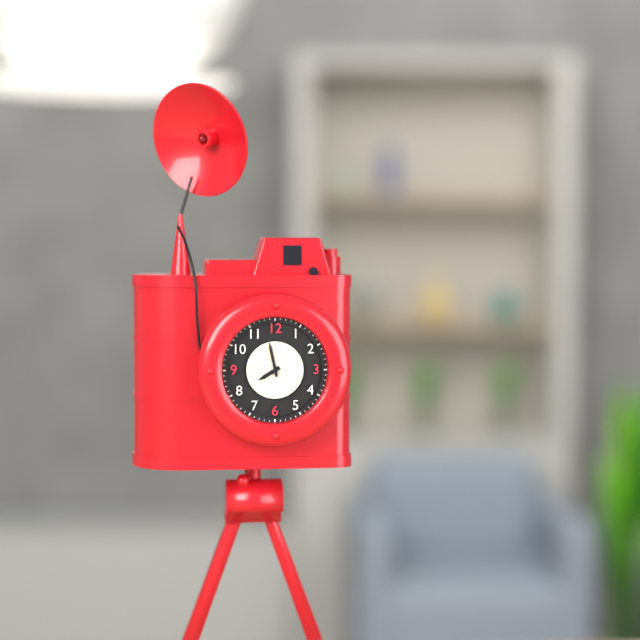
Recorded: 7 h 58 min
